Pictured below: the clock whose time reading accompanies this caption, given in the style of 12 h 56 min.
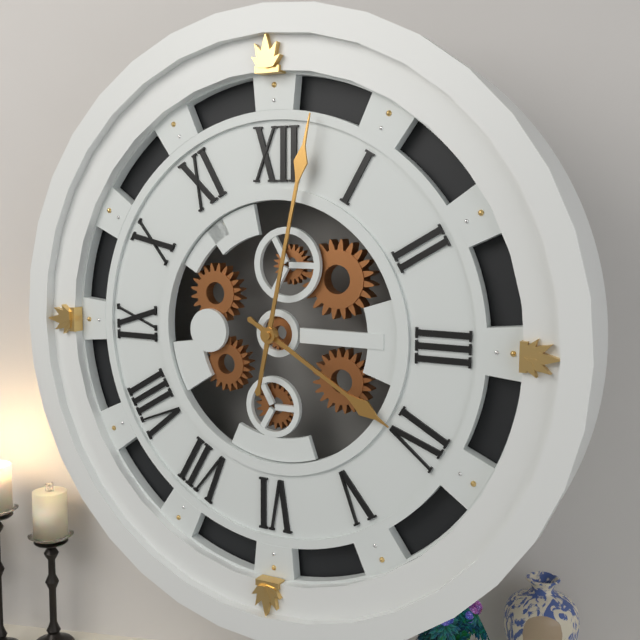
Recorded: 4 h 02 min
